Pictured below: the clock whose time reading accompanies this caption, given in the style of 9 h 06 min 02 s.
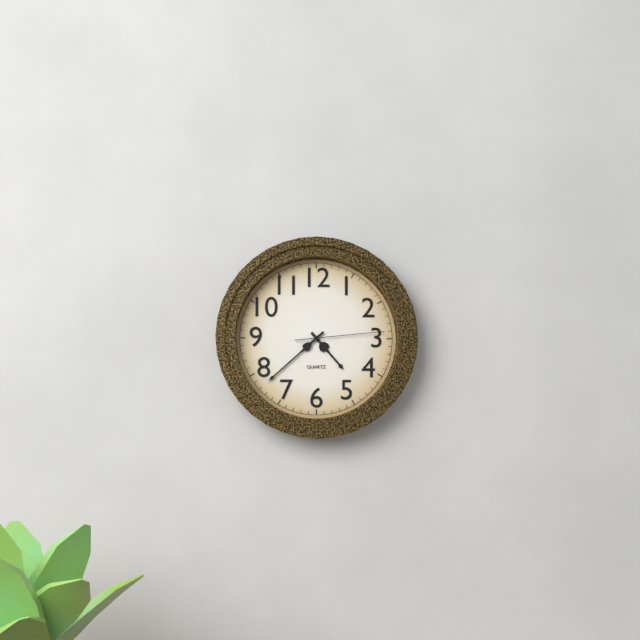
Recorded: 4 h 38 min 14 s
